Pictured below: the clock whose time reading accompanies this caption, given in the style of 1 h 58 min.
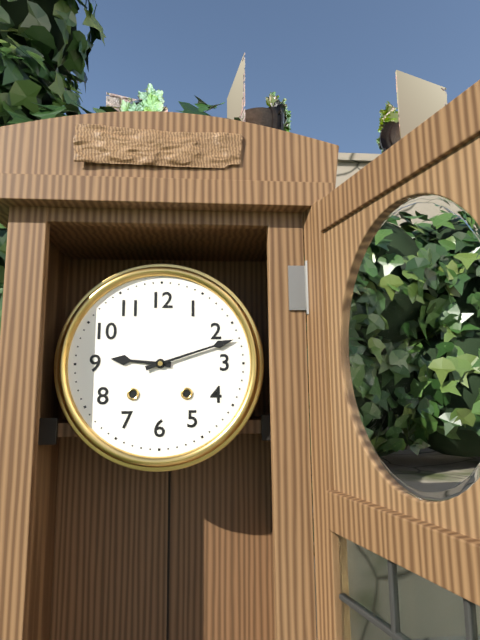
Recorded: 9 h 12 min
